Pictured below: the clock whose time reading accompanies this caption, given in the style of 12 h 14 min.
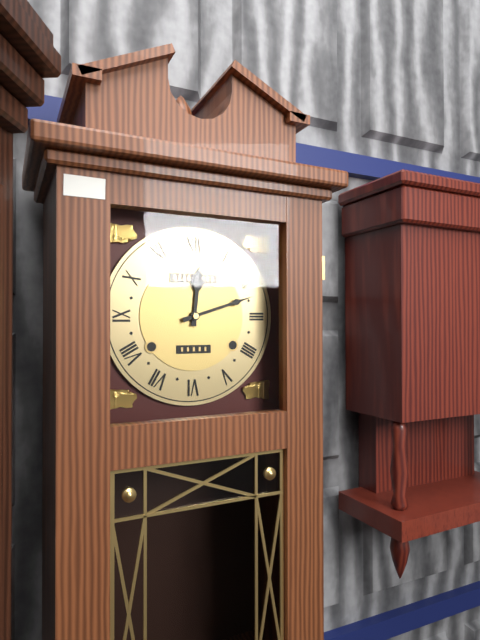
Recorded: 12 h 12 min
